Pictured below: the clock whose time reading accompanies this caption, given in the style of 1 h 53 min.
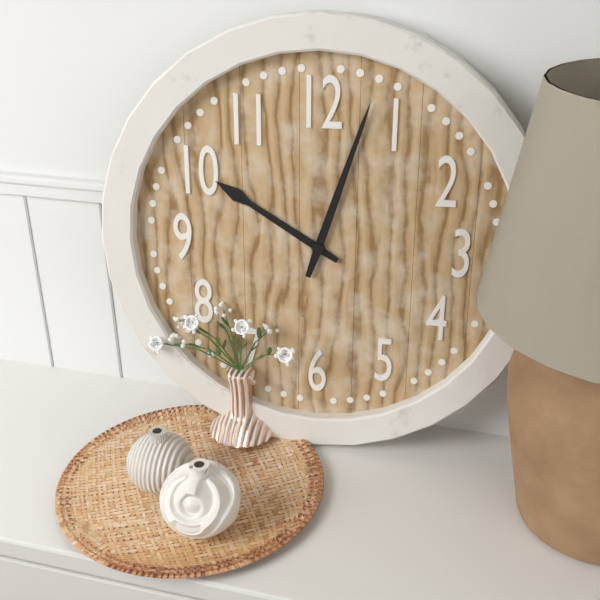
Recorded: 10 h 03 min
